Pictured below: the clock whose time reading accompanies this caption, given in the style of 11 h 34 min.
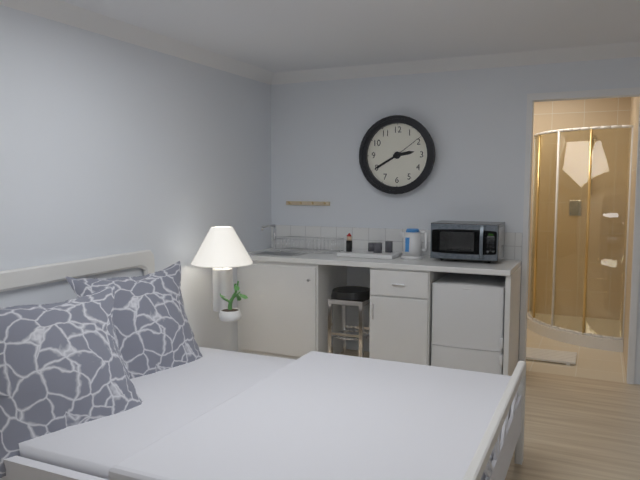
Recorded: 2 h 40 min
